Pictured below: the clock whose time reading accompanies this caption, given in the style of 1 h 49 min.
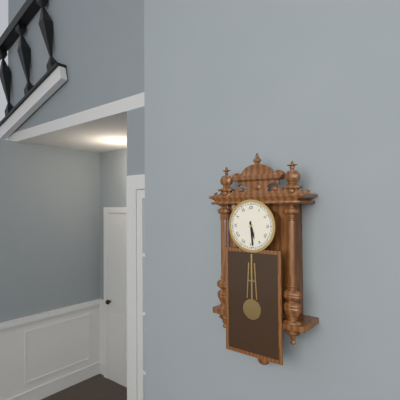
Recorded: 5 h 29 min
